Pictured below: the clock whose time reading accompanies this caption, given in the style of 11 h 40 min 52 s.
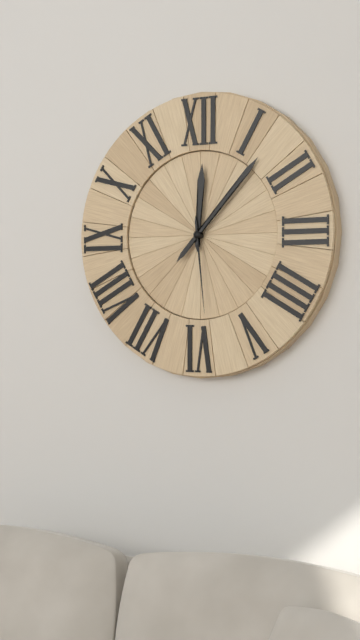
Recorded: 12 h 07 min 29 s
